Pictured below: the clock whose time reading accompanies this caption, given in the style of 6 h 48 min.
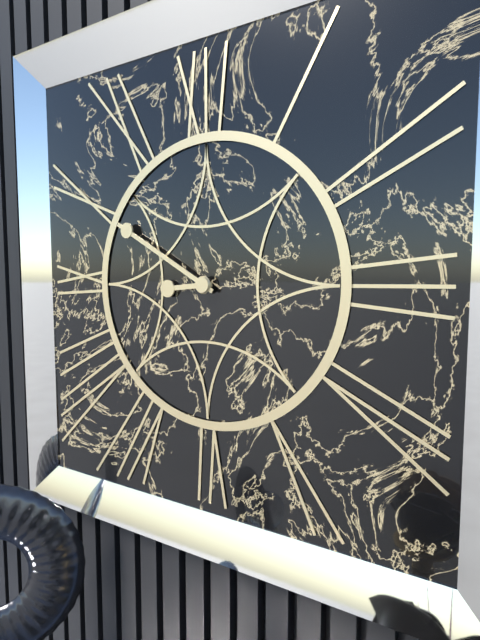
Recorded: 8 h 50 min
